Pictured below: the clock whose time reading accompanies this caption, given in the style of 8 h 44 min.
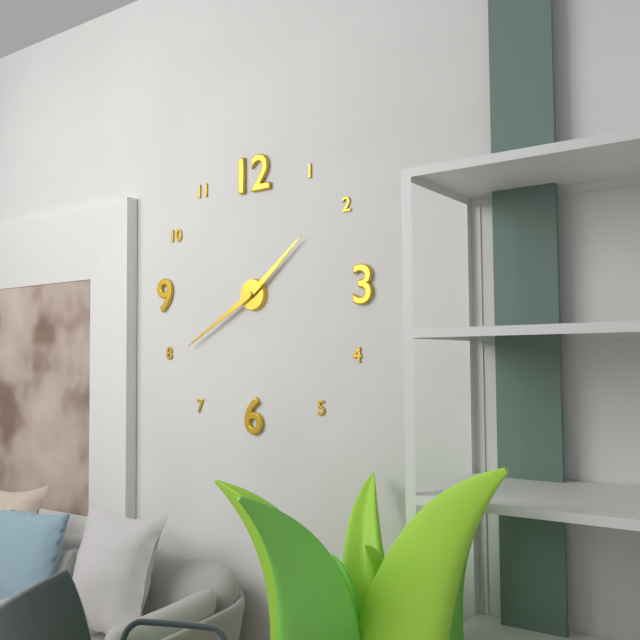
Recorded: 1 h 40 min
